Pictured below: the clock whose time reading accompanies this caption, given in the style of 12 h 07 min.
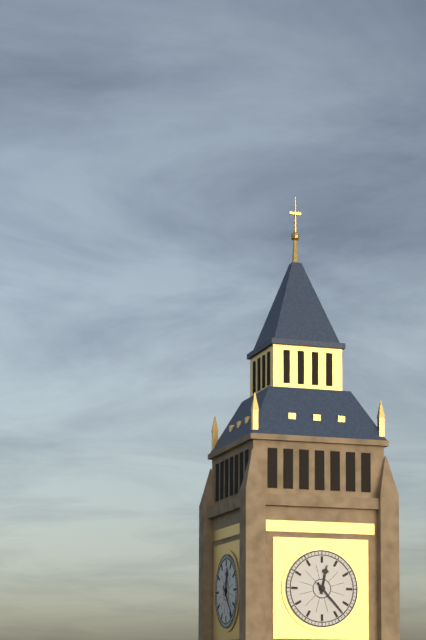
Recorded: 12 h 23 min
